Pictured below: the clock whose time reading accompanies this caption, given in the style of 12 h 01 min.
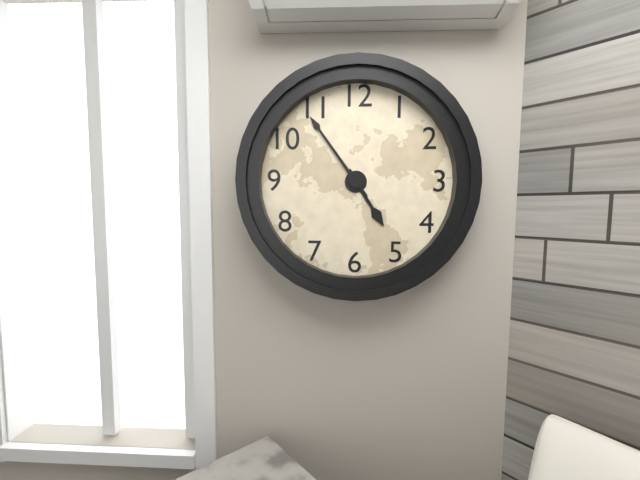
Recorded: 4 h 54 min
